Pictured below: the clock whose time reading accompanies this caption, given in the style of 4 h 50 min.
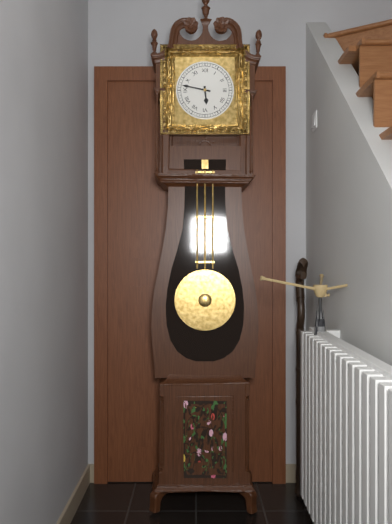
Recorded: 5 h 47 min
